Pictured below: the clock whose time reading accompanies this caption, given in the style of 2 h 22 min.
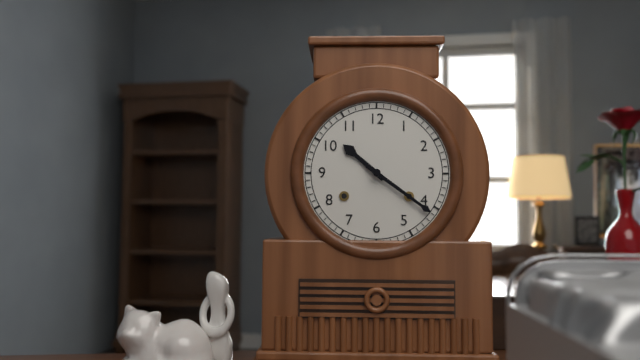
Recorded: 10 h 21 min
